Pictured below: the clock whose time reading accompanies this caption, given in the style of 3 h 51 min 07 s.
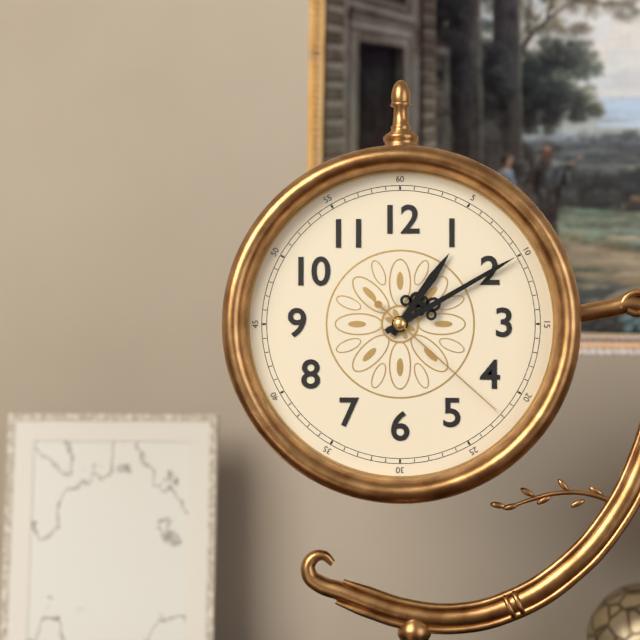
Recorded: 1 h 10 min 22 s
